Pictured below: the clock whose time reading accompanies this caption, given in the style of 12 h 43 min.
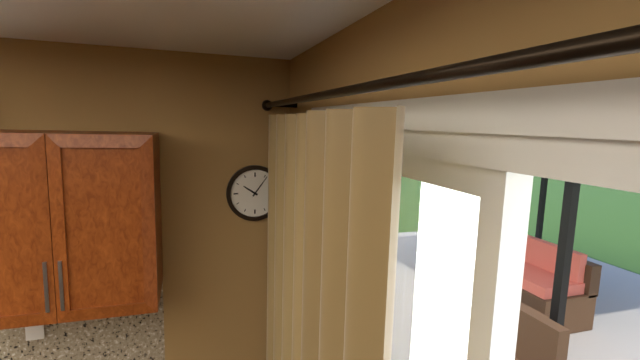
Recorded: 10 h 06 min
